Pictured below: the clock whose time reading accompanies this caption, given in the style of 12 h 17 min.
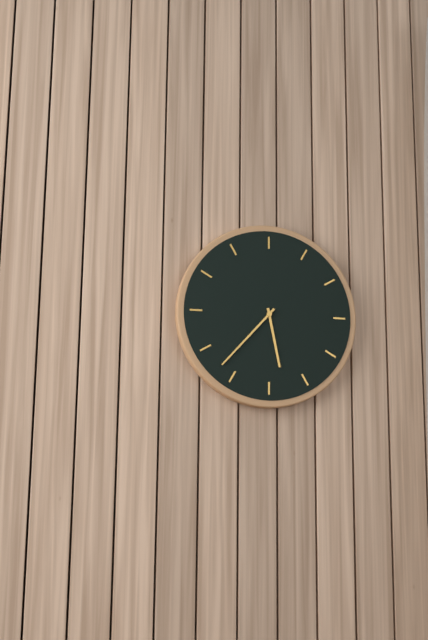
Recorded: 5 h 37 min
